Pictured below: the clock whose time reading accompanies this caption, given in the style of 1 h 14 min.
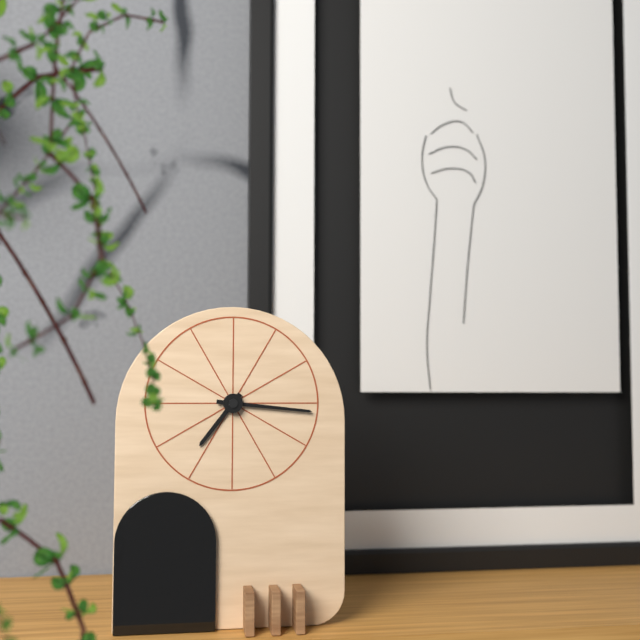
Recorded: 7 h 16 min
